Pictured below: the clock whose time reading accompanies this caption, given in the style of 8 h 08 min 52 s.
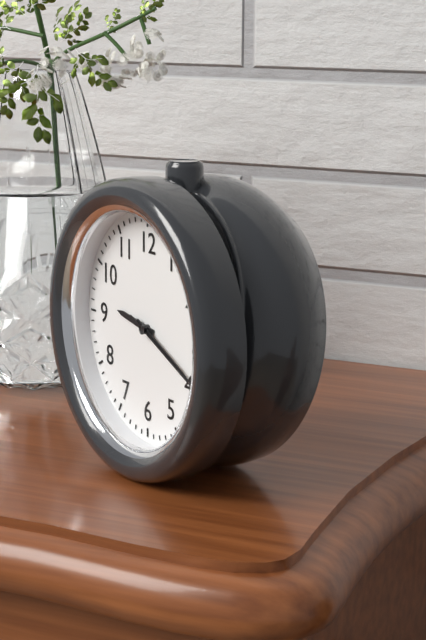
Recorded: 9 h 19 min 19 s
